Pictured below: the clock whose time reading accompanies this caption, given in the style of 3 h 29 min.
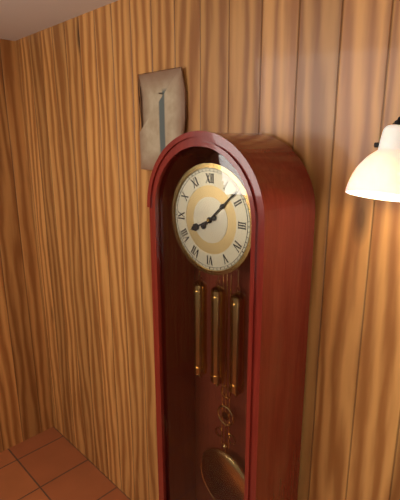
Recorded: 8 h 08 min
